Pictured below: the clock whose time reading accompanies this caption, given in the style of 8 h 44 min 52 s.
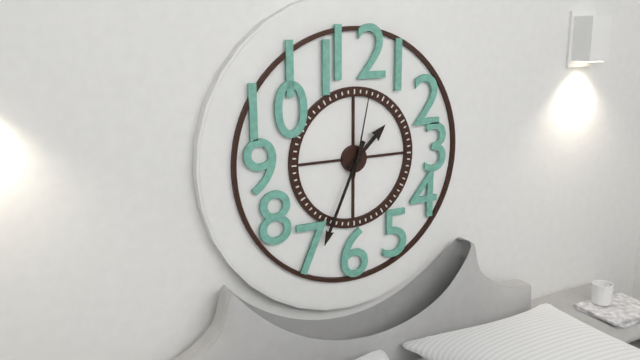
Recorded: 1 h 34 min 02 s
